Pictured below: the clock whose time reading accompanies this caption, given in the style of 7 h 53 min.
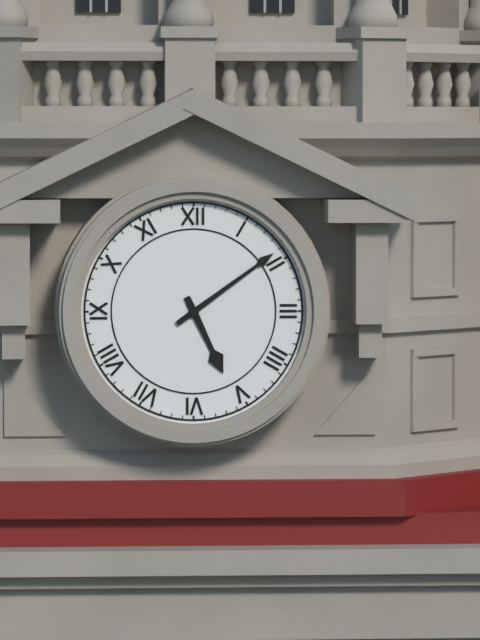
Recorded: 5 h 09 min
